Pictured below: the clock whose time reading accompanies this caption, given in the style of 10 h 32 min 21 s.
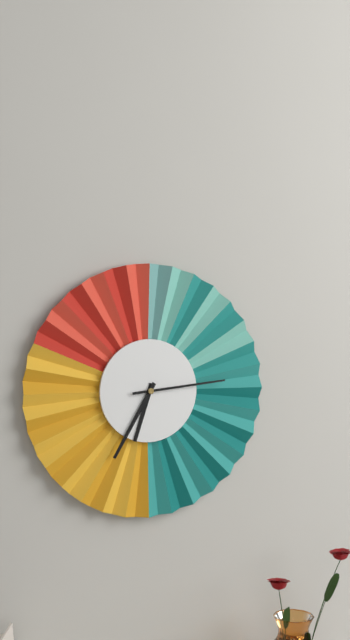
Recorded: 6 h 35 min 14 s
